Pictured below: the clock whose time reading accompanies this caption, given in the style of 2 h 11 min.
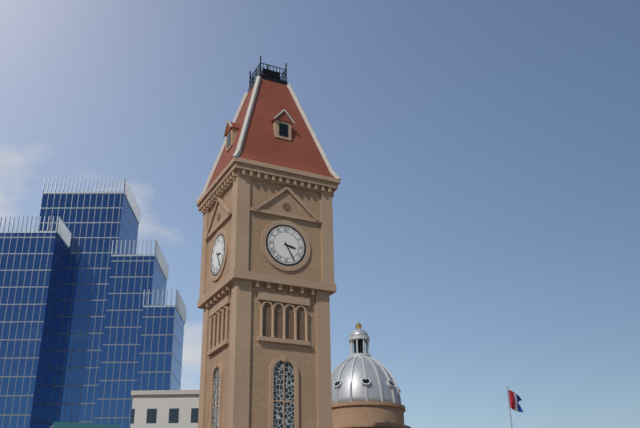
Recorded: 3 h 25 min
